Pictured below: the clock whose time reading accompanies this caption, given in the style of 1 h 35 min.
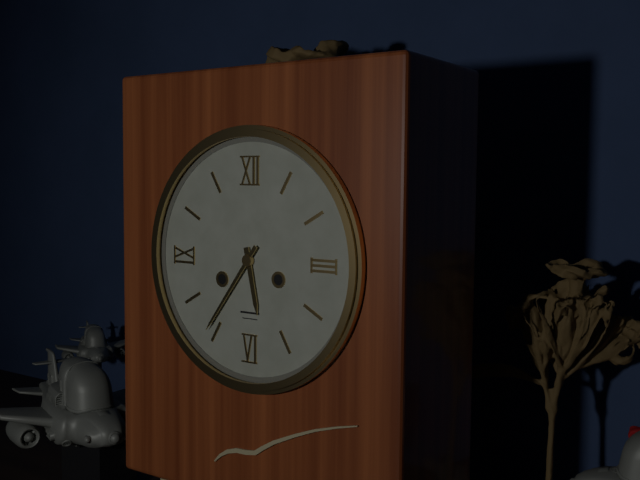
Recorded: 5 h 36 min
